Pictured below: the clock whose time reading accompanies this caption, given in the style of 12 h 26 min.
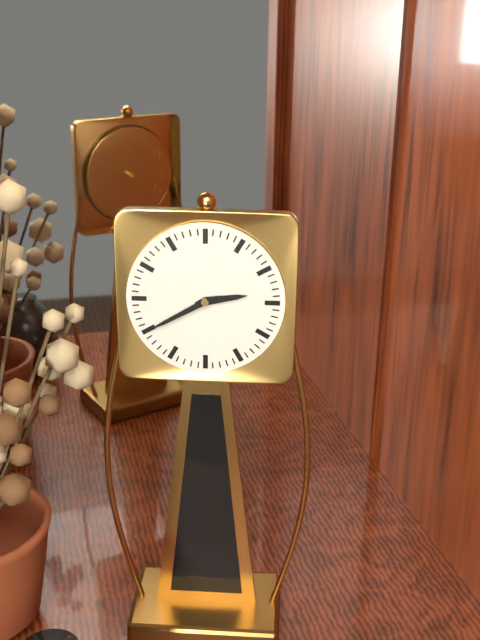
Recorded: 2 h 40 min
